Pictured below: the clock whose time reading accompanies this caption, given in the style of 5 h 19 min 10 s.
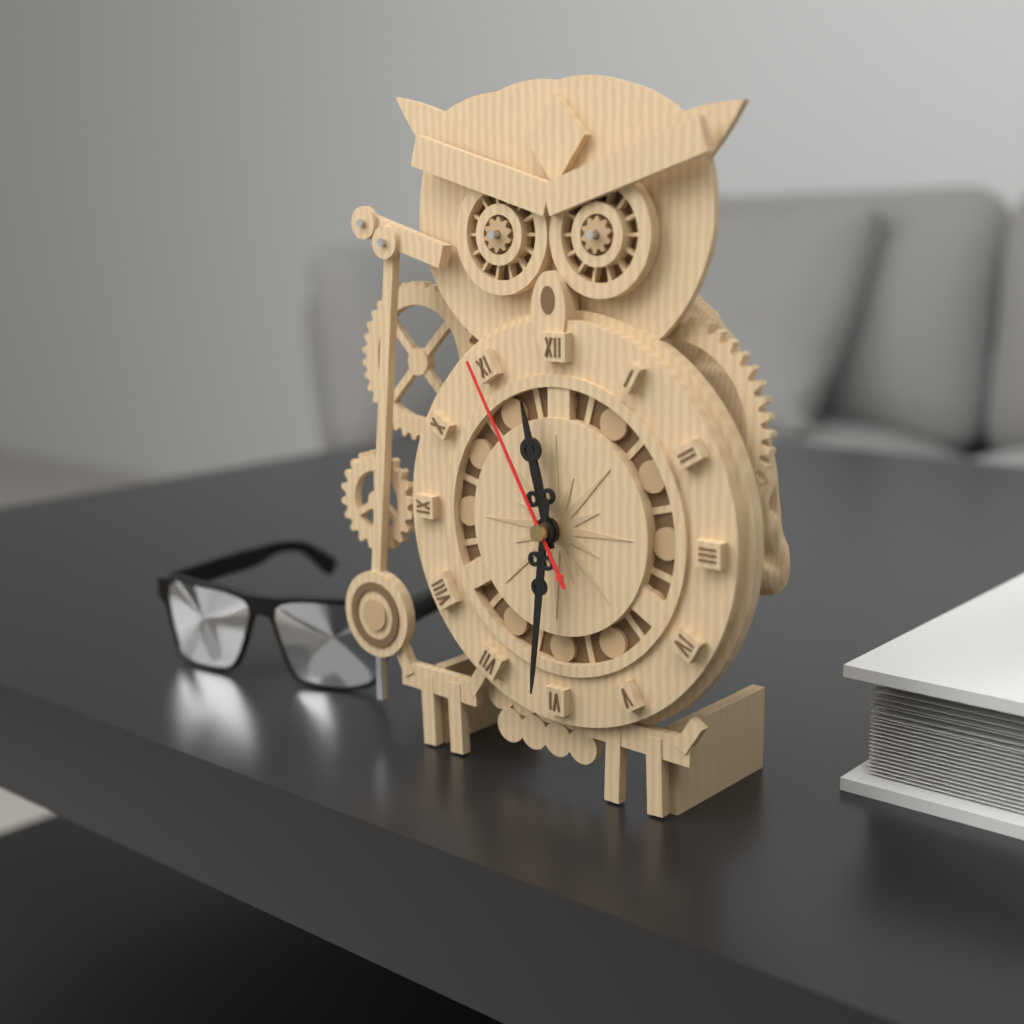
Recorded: 11 h 31 min 55 s
